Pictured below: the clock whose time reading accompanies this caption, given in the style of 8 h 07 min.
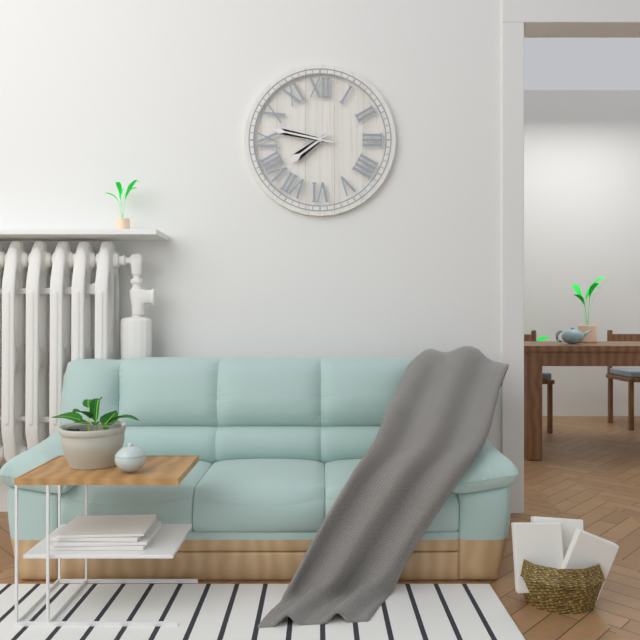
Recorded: 7 h 47 min
